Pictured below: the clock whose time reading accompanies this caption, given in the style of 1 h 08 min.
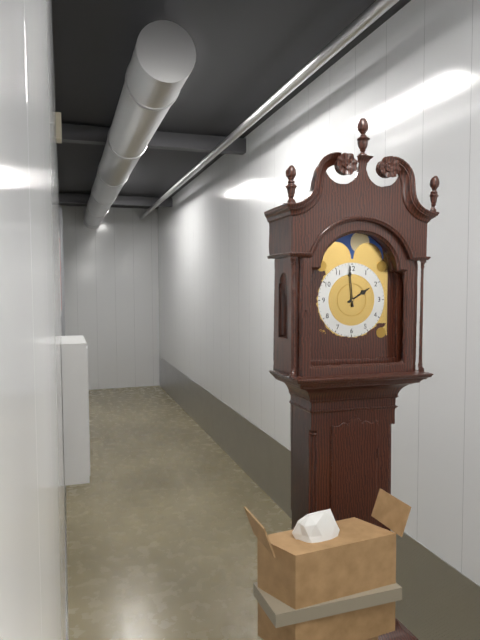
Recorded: 1 h 59 min
